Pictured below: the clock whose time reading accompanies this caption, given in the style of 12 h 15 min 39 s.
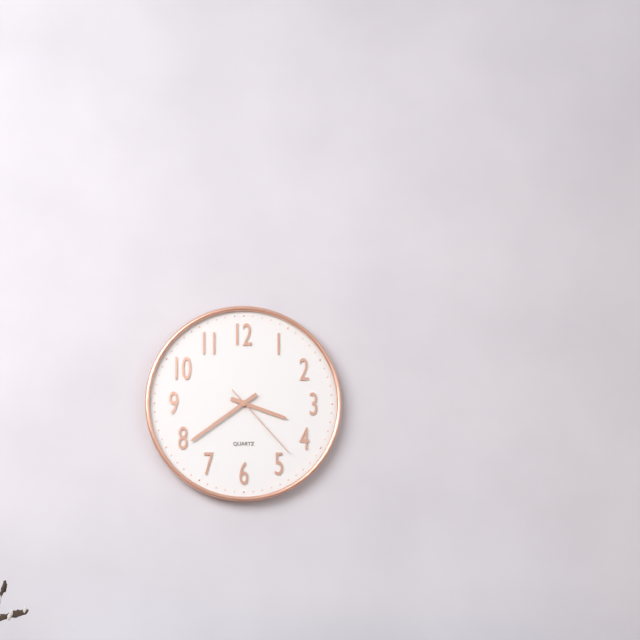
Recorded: 3 h 39 min 23 s
